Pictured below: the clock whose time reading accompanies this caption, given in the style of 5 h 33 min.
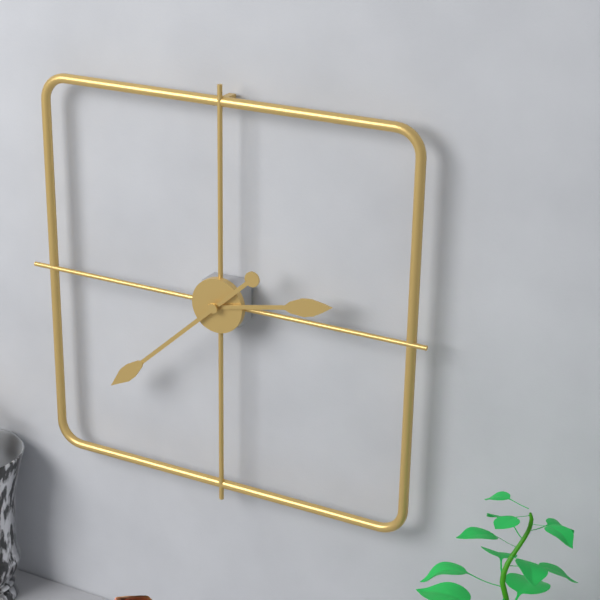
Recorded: 2 h 38 min
